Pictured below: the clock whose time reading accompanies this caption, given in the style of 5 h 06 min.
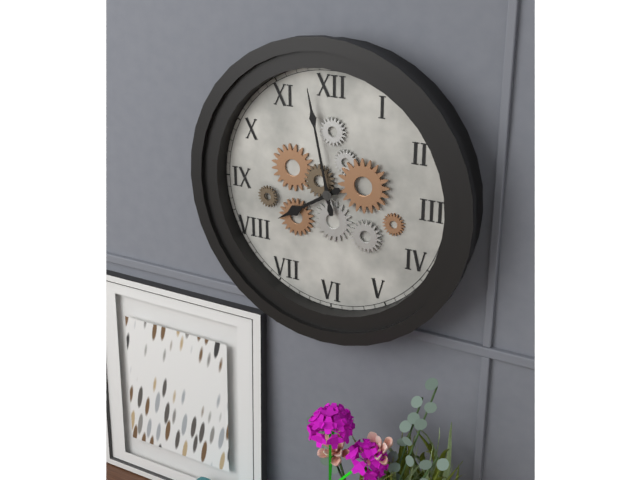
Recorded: 7 h 58 min
